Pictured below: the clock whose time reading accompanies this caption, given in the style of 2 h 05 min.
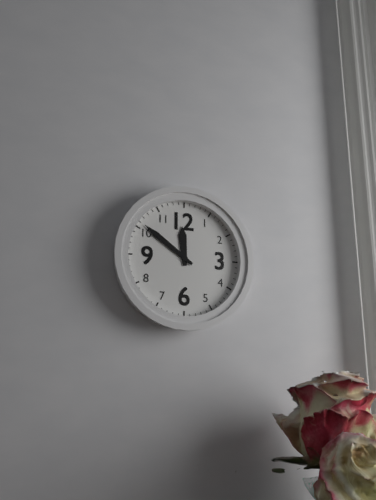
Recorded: 11 h 51 min
